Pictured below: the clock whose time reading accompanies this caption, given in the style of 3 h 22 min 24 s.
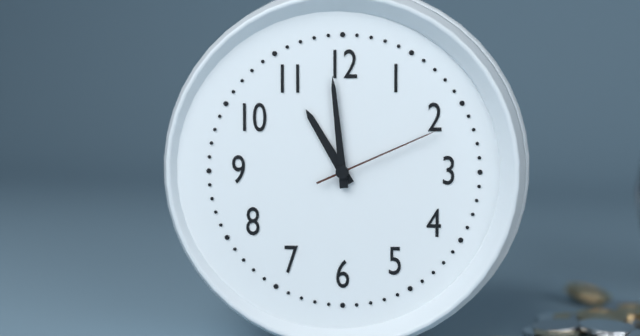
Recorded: 10 h 59 min 11 s
